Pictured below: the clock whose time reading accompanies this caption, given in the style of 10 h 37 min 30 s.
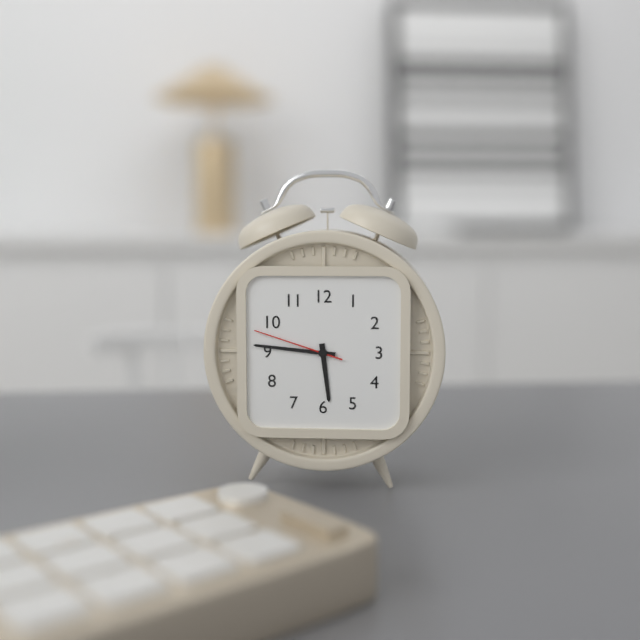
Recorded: 5 h 46 min 48 s
